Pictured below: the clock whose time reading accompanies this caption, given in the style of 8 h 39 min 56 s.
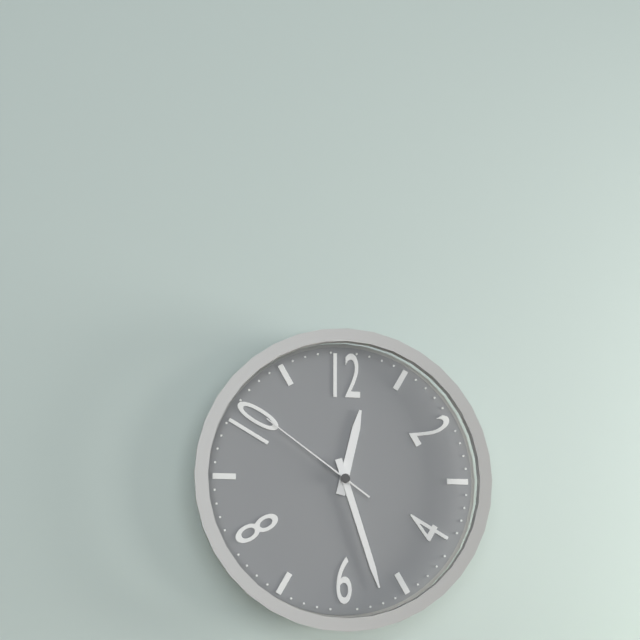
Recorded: 12 h 27 min 51 s
